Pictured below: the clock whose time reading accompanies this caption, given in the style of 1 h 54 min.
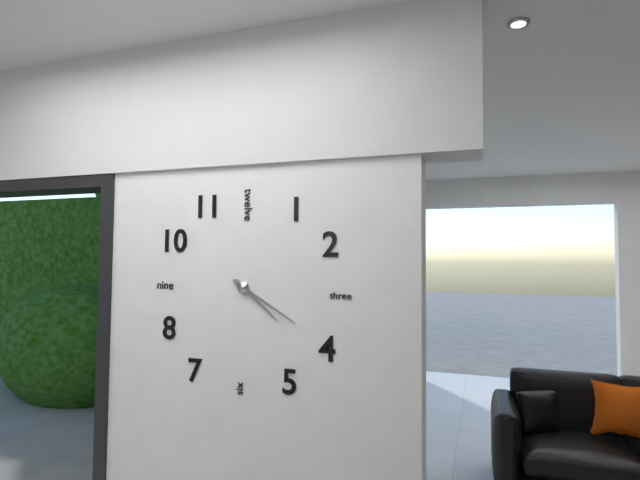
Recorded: 4 h 20 min
